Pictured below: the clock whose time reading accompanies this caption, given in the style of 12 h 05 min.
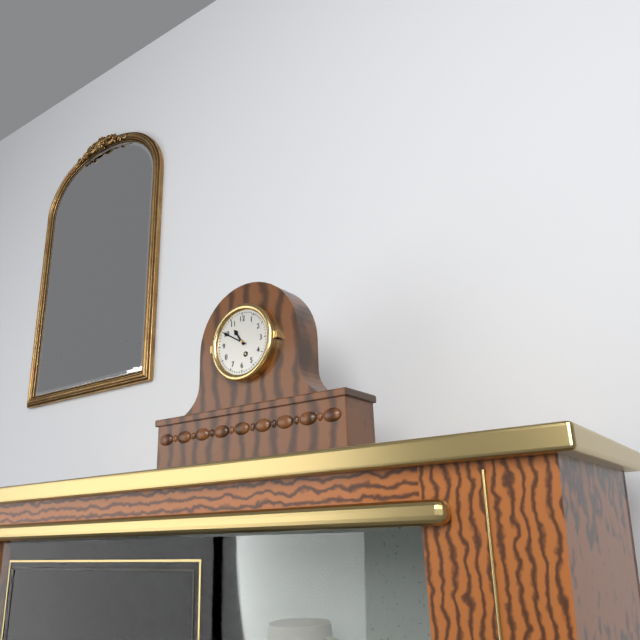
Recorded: 10 h 50 min
